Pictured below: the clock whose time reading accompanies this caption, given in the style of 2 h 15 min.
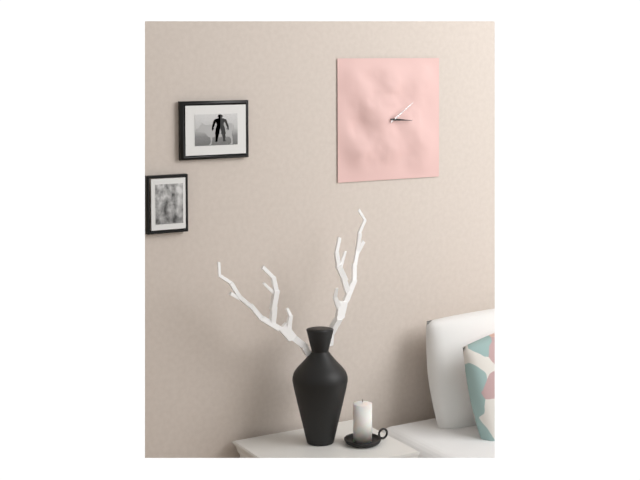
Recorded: 3 h 09 min
